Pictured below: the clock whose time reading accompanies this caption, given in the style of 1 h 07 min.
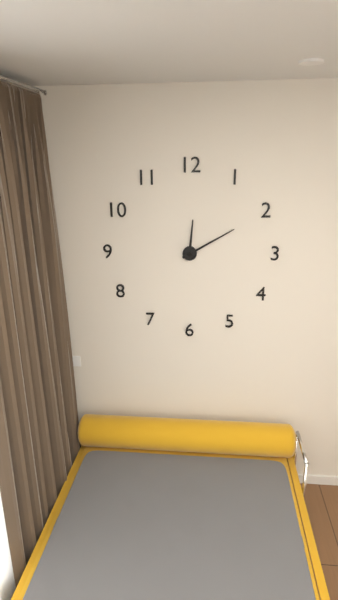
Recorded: 12 h 10 min
